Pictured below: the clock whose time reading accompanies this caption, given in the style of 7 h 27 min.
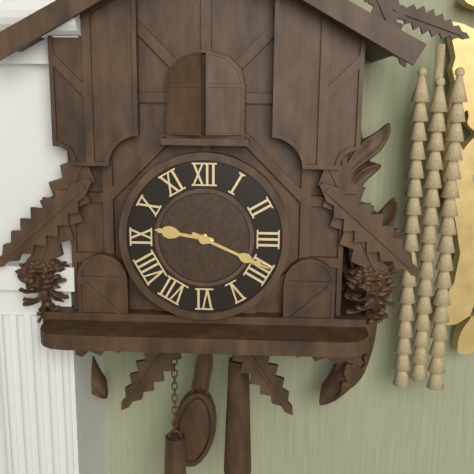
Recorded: 9 h 19 min
